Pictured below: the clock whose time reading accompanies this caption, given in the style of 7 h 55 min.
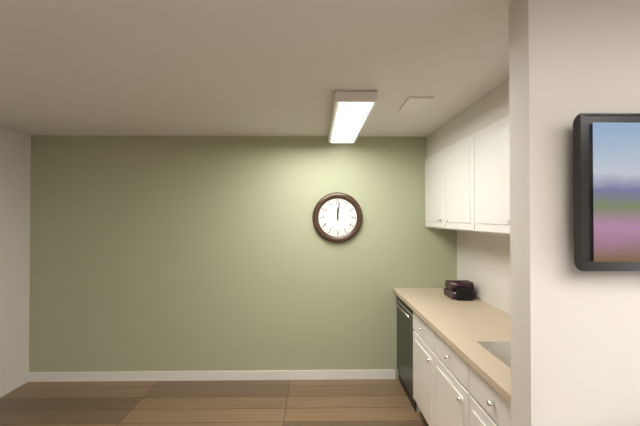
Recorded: 12 h 01 min
